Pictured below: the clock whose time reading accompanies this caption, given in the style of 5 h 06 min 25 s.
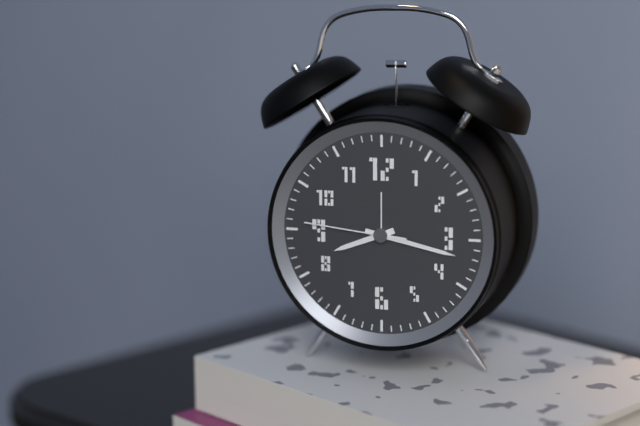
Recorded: 8 h 17 min 46 s
